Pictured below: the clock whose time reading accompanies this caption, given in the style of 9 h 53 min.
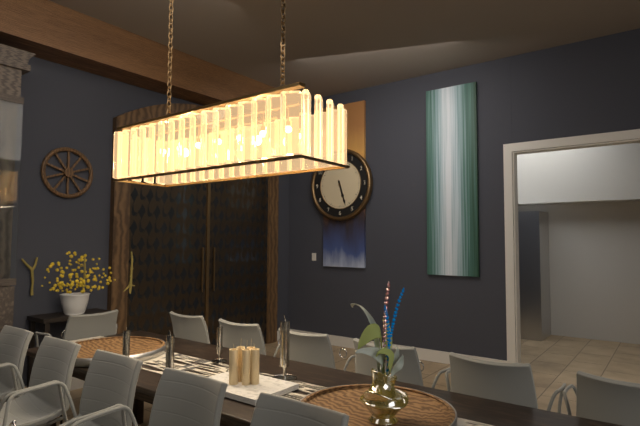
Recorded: 5 h 27 min
